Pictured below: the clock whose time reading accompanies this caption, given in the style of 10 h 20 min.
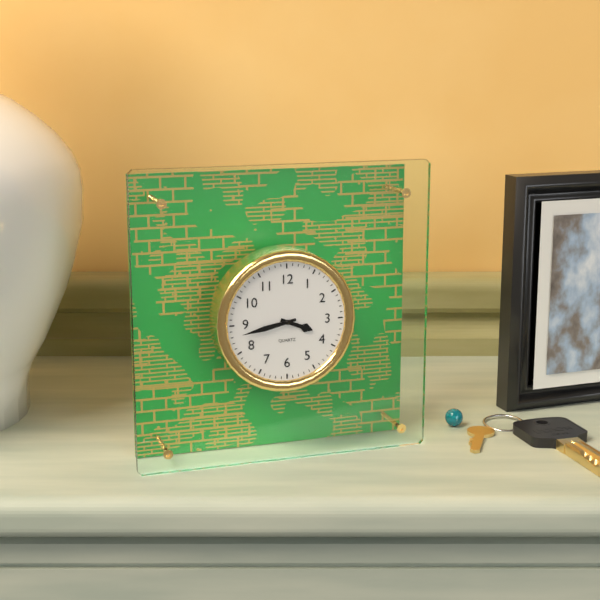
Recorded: 3 h 43 min
